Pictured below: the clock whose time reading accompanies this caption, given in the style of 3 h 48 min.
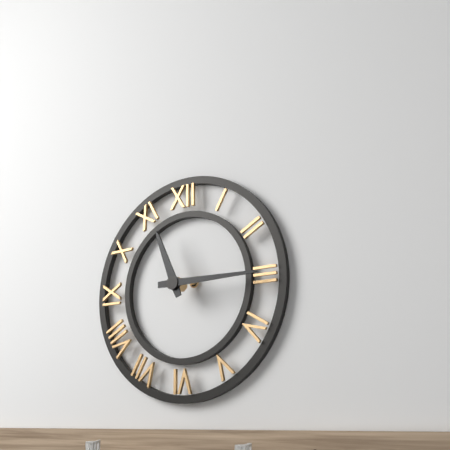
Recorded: 11 h 15 min
